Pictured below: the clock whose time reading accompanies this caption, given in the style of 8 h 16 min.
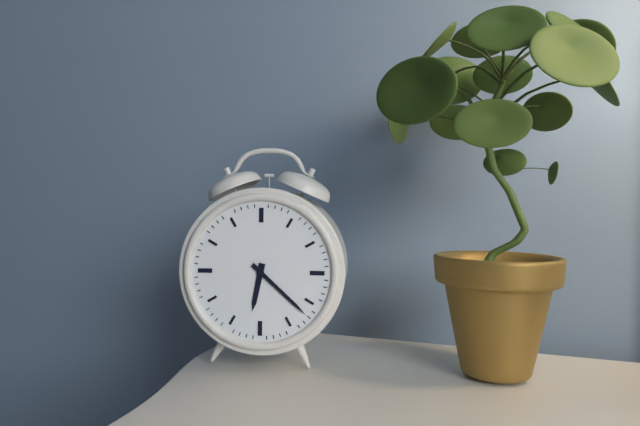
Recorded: 6 h 22 min
